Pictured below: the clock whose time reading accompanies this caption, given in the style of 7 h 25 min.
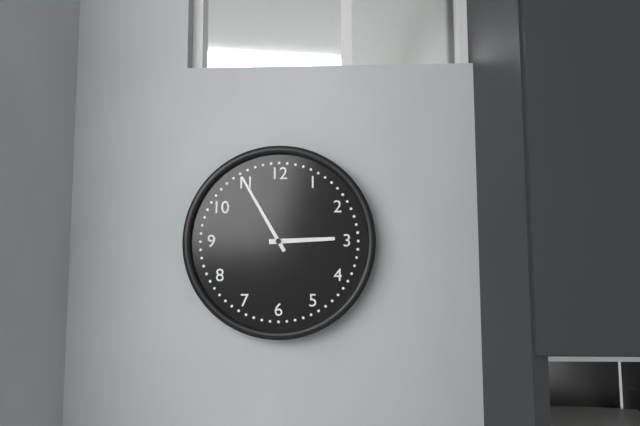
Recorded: 2 h 55 min
